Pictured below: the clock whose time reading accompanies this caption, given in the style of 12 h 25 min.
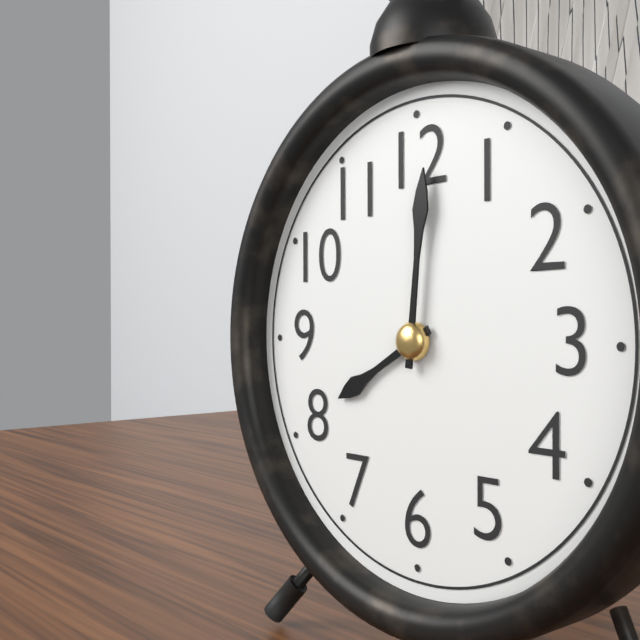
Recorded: 8 h 01 min
